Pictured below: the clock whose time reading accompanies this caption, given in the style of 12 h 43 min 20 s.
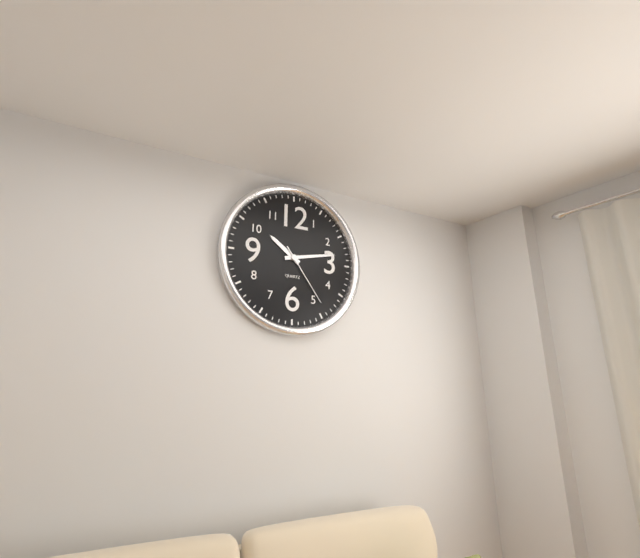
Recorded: 10 h 13 min 24 s
